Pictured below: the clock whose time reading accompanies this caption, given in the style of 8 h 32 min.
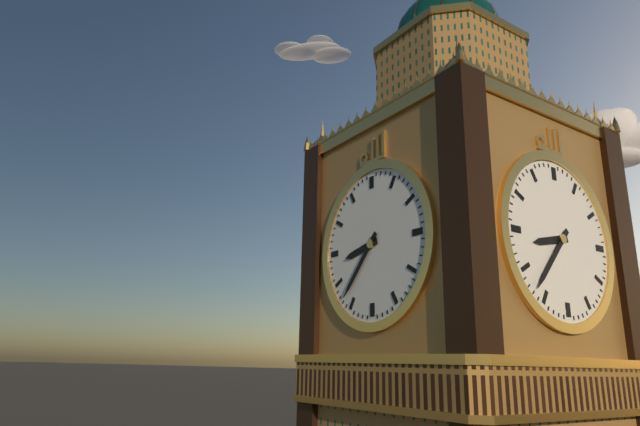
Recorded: 8 h 37 min
